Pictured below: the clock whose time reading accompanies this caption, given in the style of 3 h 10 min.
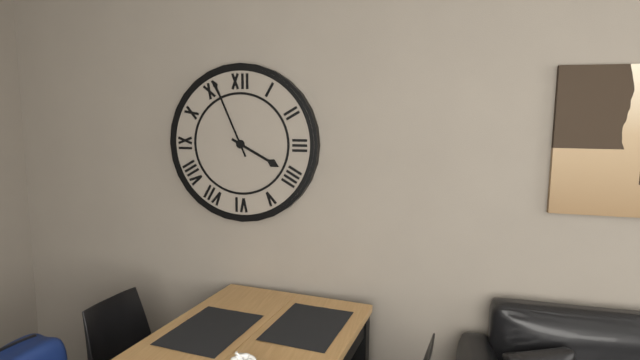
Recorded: 3 h 56 min
